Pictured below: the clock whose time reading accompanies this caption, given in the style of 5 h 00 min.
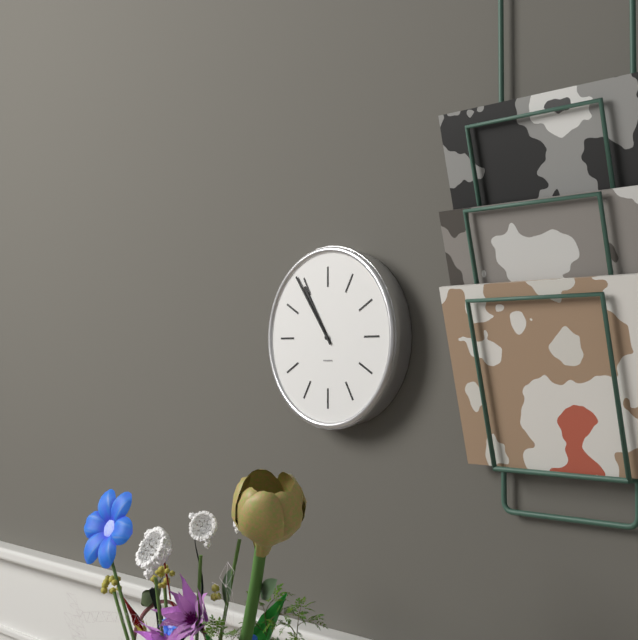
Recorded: 10 h 54 min
